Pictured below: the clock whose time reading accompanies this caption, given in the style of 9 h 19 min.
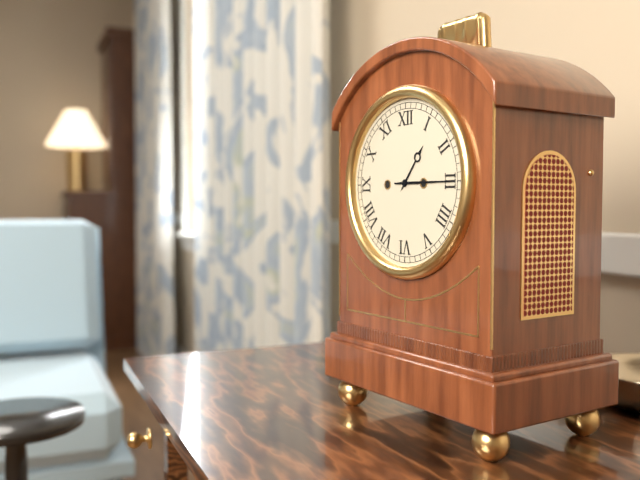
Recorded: 1 h 15 min
